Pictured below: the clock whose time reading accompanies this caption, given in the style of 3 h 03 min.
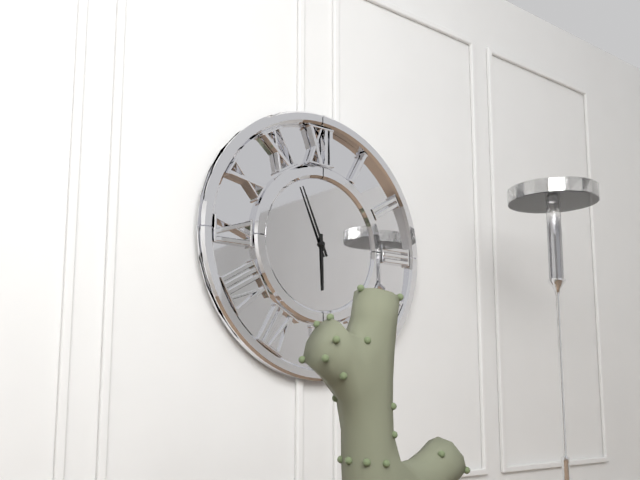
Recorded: 5 h 56 min
